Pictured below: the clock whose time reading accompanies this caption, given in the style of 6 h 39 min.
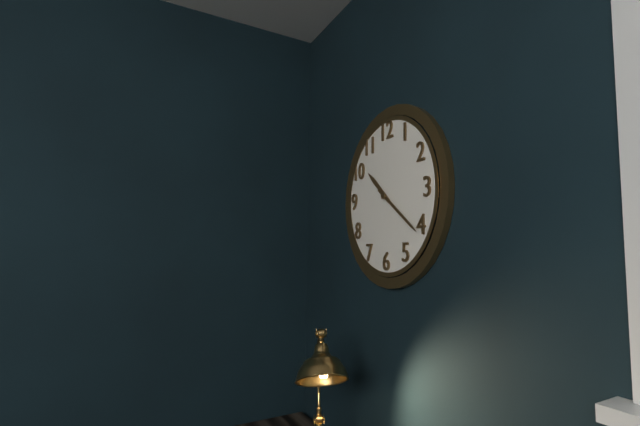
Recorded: 10 h 21 min
